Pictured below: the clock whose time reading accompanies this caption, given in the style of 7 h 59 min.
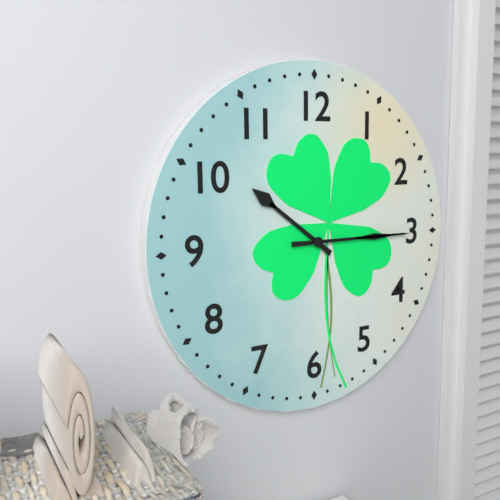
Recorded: 10 h 15 min
